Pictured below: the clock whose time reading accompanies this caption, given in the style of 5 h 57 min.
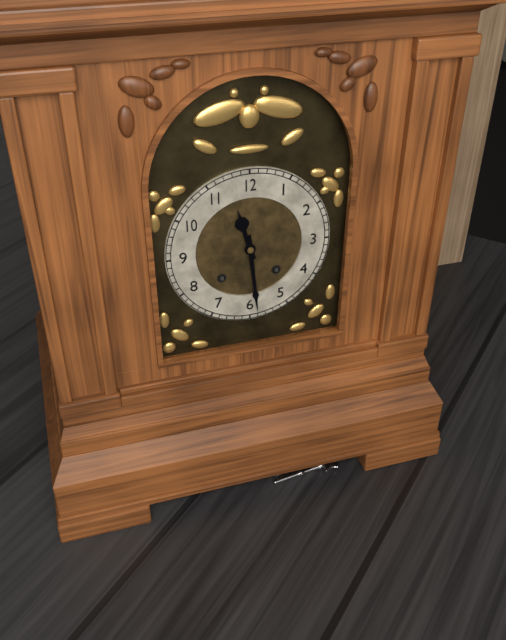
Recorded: 11 h 29 min
